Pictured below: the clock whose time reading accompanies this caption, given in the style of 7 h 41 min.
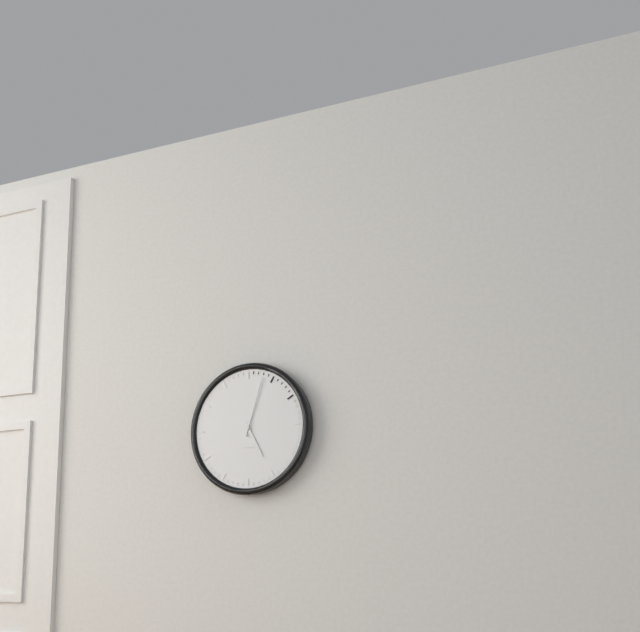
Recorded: 5 h 03 min
